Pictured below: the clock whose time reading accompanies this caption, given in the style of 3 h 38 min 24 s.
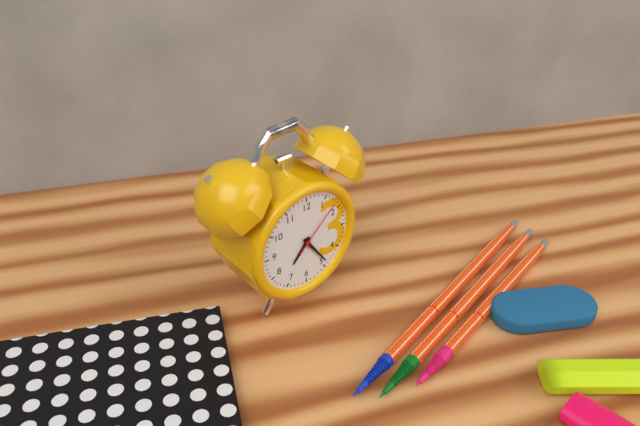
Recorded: 7 h 24 min 08 s
